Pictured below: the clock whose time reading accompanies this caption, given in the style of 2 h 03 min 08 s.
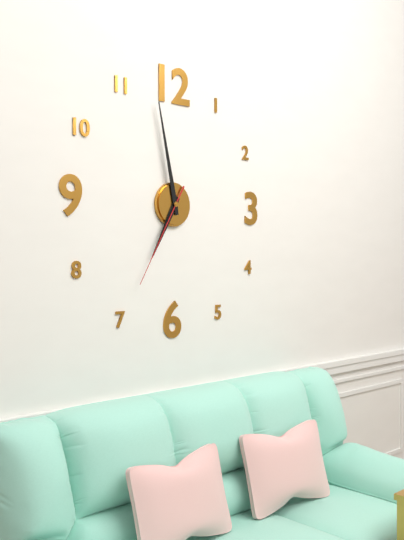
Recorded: 6 h 58 min 35 s
